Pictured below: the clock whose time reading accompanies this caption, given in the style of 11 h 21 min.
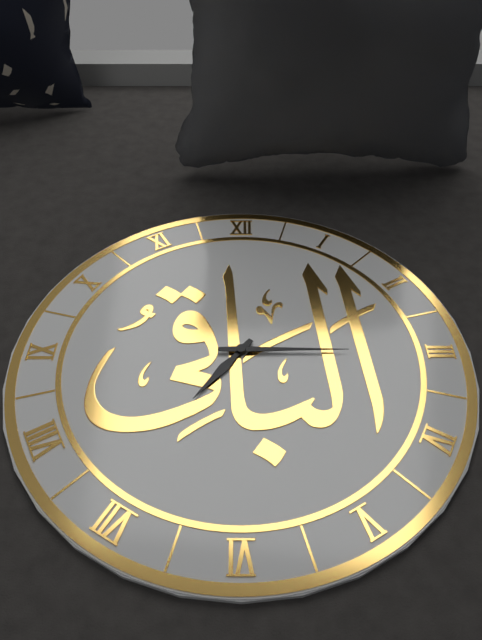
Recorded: 7 h 15 min
